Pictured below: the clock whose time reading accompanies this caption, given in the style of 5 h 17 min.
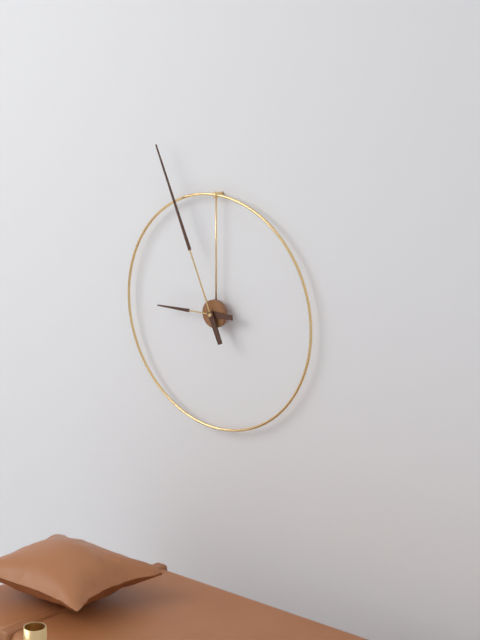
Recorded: 8 h 56 min
